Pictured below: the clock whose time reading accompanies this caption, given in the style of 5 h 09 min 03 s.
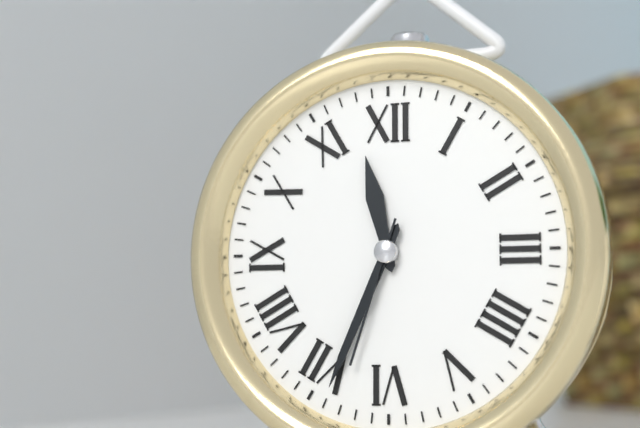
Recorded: 11 h 34 min 33 s
